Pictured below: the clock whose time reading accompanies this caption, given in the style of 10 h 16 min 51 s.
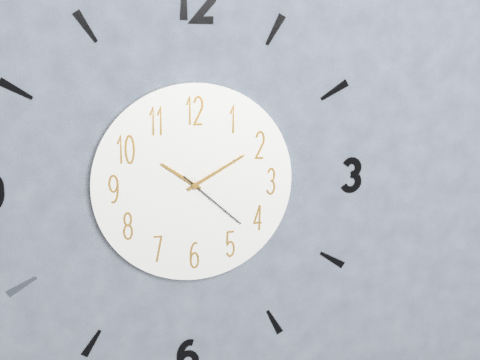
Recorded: 10 h 10 min 22 s
